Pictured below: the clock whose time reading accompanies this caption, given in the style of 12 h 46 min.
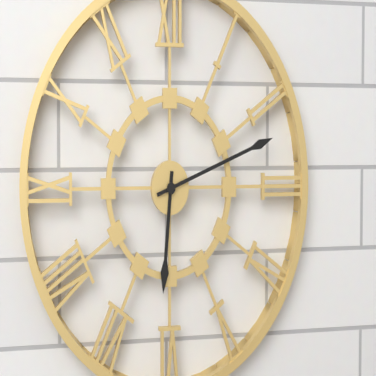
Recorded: 6 h 12 min
